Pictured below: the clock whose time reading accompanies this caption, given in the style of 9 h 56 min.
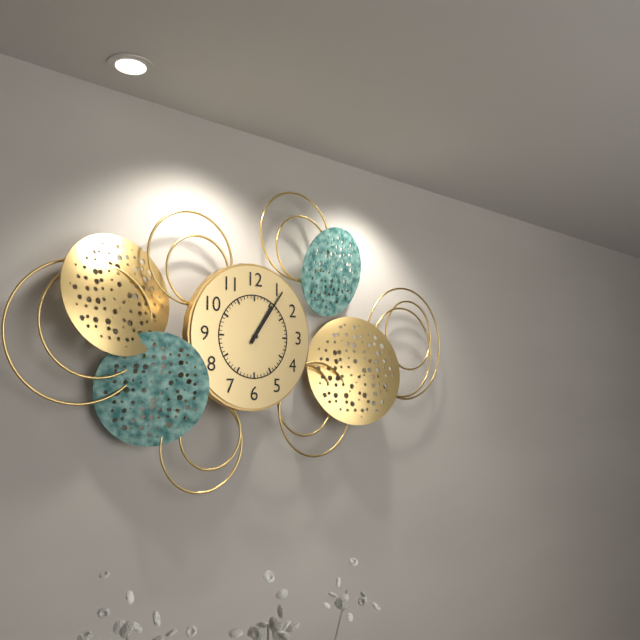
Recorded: 1 h 06 min
